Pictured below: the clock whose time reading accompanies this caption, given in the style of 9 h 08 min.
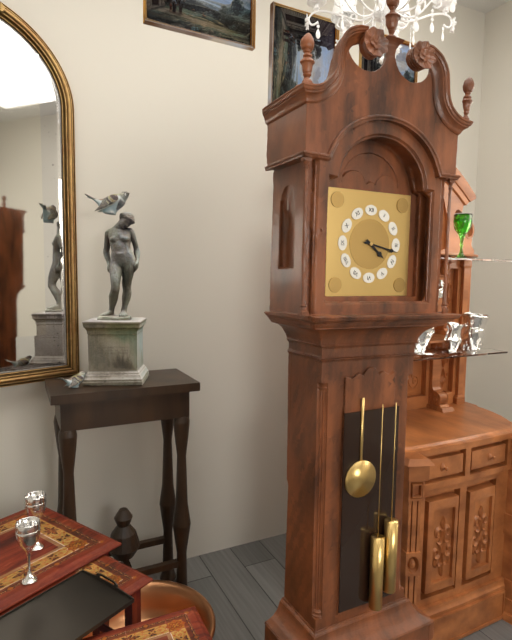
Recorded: 4 h 17 min
